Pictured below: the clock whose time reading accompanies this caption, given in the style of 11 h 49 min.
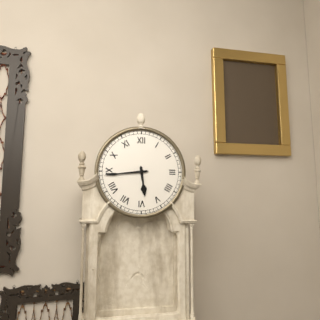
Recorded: 5 h 44 min
